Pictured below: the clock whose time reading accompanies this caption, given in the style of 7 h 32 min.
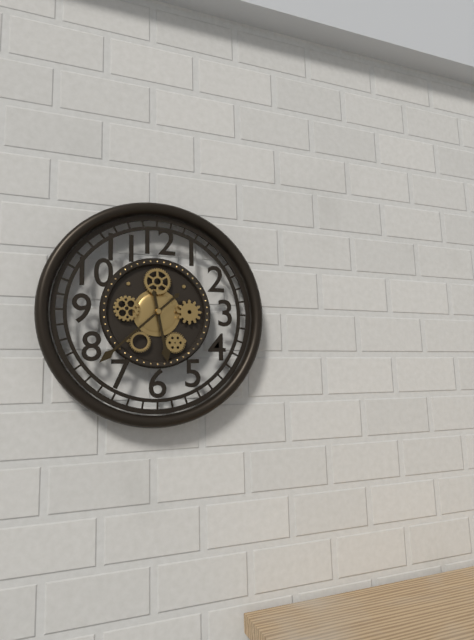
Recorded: 5 h 38 min
